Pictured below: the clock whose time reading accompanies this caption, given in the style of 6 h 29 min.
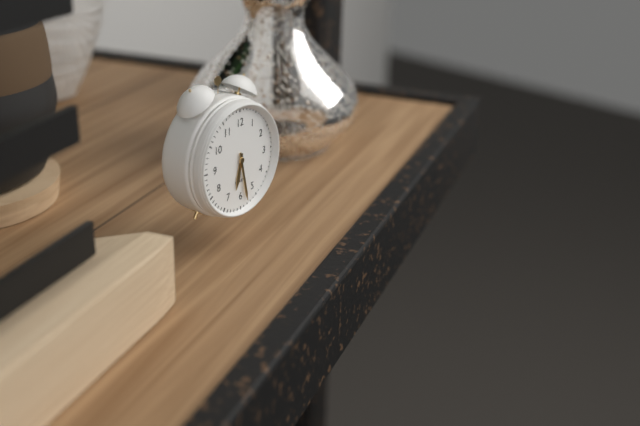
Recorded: 6 h 28 min
